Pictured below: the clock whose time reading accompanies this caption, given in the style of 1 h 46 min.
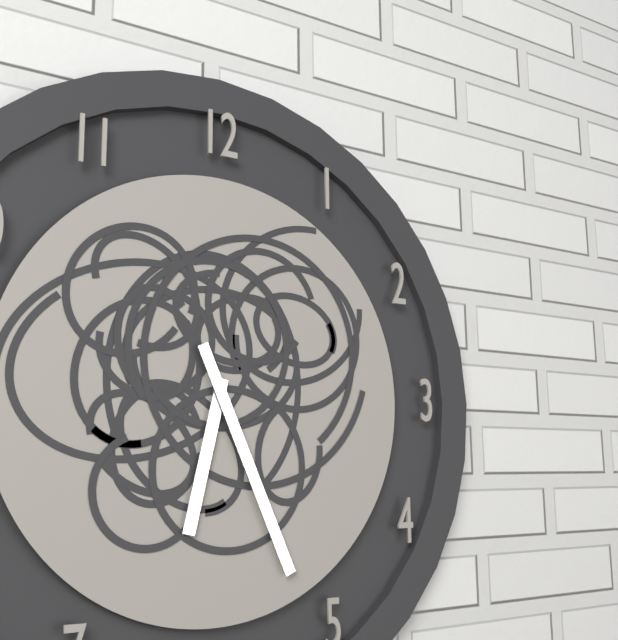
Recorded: 6 h 26 min
